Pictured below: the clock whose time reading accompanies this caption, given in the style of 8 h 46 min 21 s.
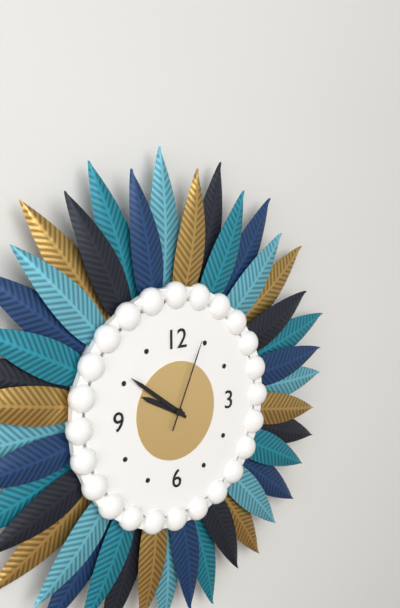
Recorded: 9 h 51 min 04 s
